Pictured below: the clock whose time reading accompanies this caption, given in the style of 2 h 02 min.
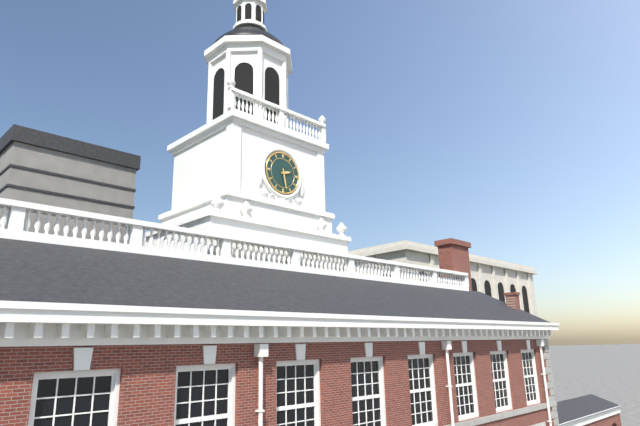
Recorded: 2 h 28 min
